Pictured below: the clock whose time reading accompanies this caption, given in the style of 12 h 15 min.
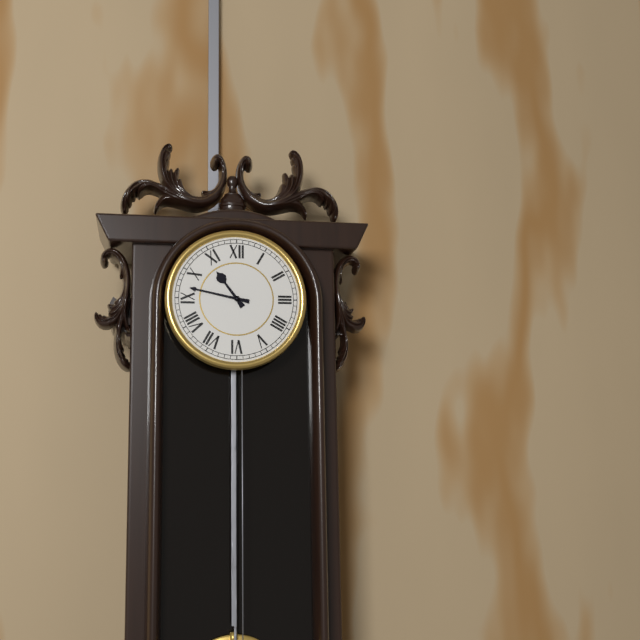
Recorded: 10 h 47 min
